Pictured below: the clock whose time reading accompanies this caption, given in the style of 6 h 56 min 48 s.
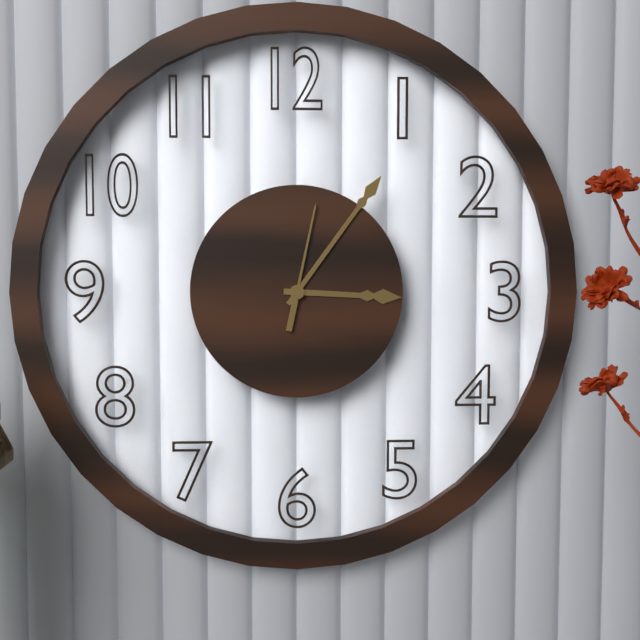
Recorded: 3 h 06 min 02 s
